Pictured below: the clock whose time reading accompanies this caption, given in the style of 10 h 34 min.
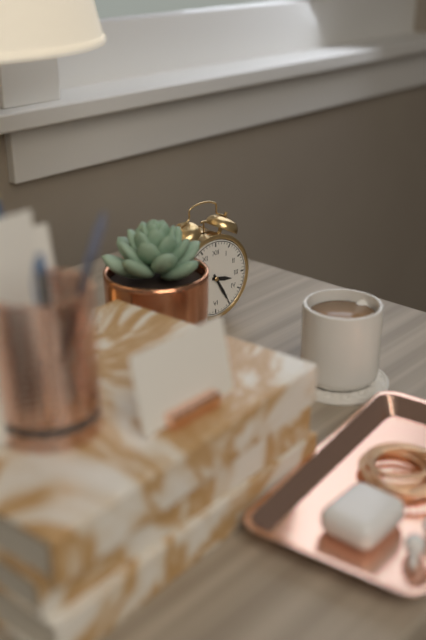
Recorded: 3 h 25 min
